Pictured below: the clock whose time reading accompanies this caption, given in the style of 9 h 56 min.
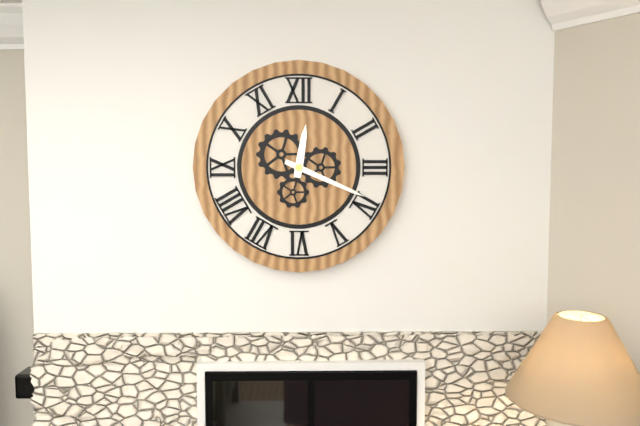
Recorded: 12 h 19 min
